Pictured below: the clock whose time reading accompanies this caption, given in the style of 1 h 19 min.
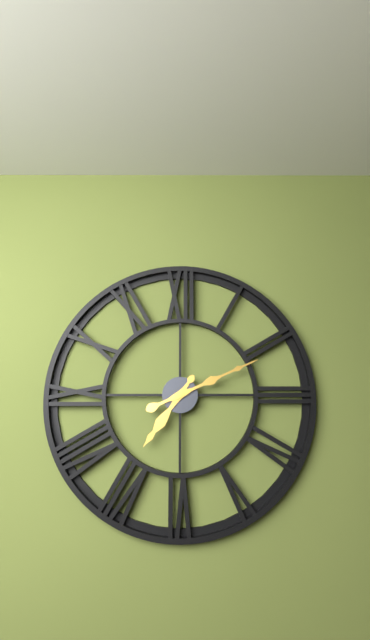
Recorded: 7 h 11 min
